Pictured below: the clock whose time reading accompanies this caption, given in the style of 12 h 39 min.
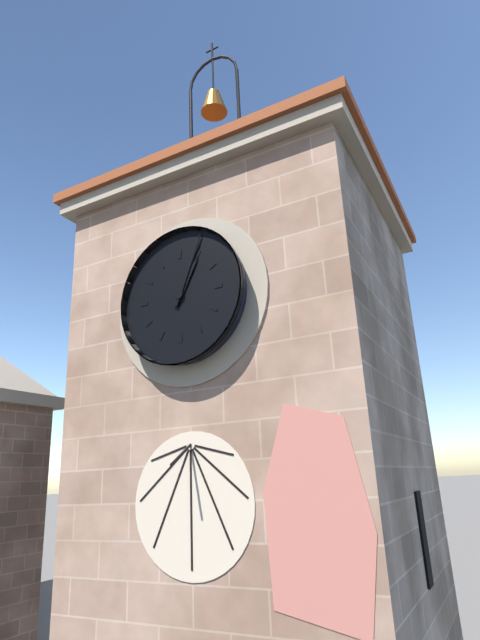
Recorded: 1 h 04 min
